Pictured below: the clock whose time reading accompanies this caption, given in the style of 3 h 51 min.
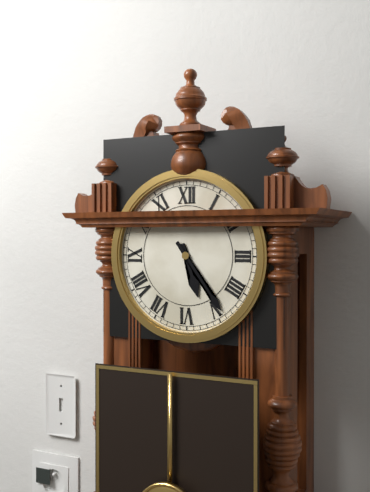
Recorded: 5 h 24 min
